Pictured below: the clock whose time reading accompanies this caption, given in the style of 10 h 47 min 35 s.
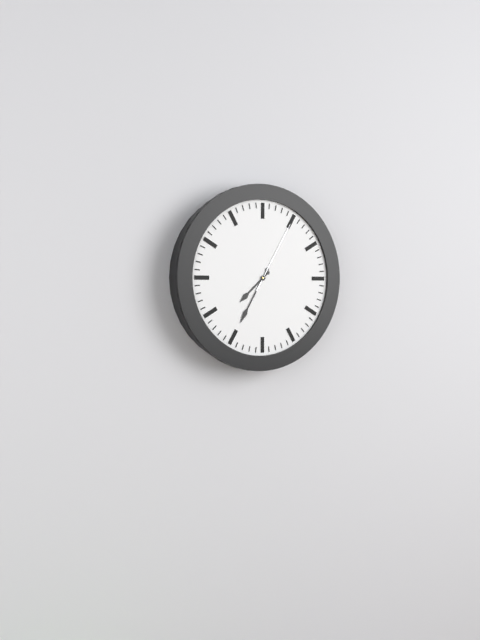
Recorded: 7 h 35 min 05 s
